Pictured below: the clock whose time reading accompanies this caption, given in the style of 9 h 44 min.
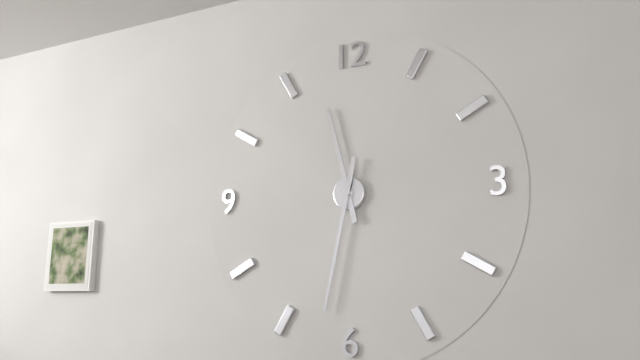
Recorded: 11 h 32 min
